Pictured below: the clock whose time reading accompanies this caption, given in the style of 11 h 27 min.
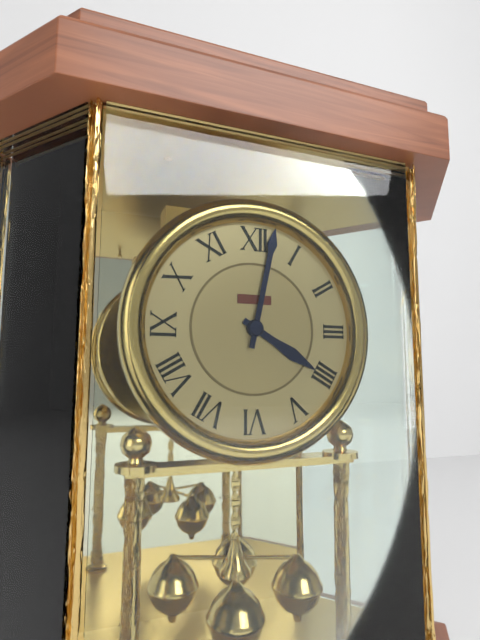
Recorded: 4 h 02 min
